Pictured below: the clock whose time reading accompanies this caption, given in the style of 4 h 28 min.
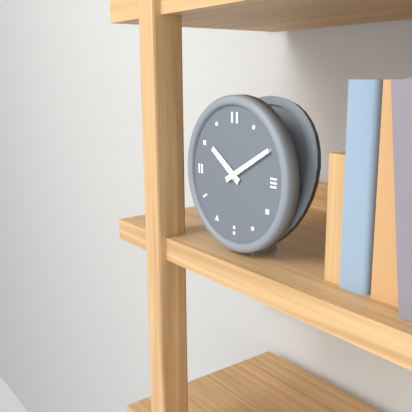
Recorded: 10 h 10 min
